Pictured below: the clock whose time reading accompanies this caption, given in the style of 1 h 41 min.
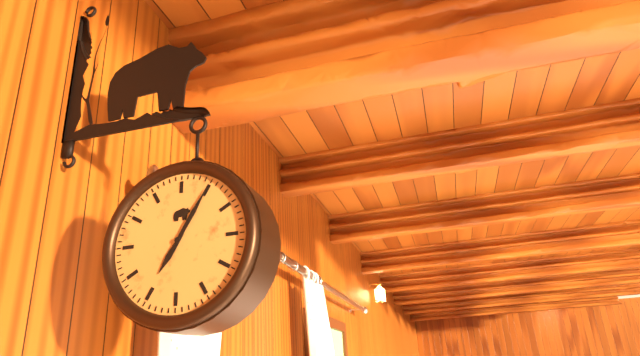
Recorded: 7 h 05 min
